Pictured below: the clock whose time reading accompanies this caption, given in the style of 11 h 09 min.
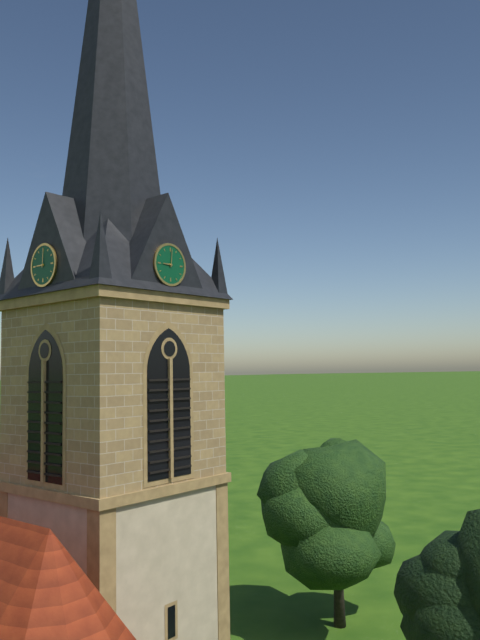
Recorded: 9 h 01 min
